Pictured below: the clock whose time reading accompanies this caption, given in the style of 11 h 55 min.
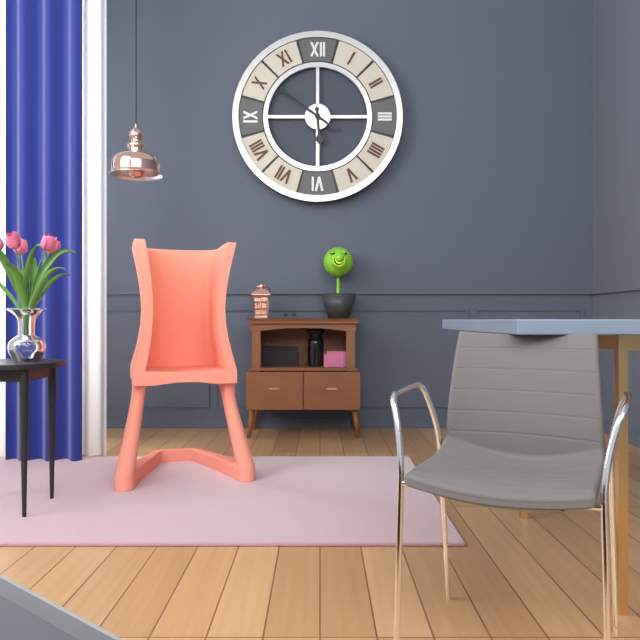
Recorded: 5 h 51 min
